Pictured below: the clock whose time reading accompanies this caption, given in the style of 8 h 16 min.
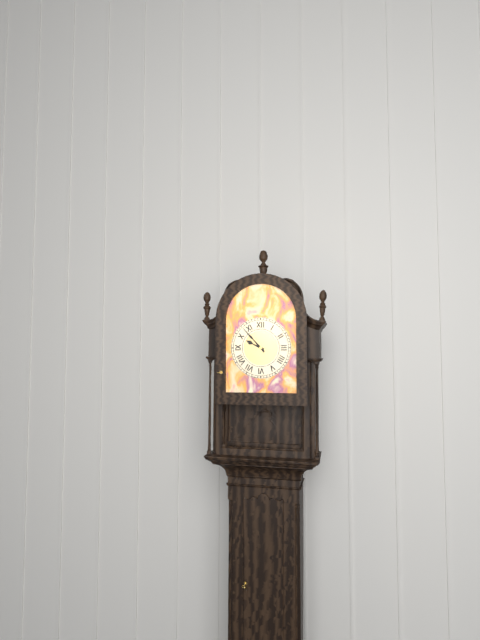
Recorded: 9 h 53 min
